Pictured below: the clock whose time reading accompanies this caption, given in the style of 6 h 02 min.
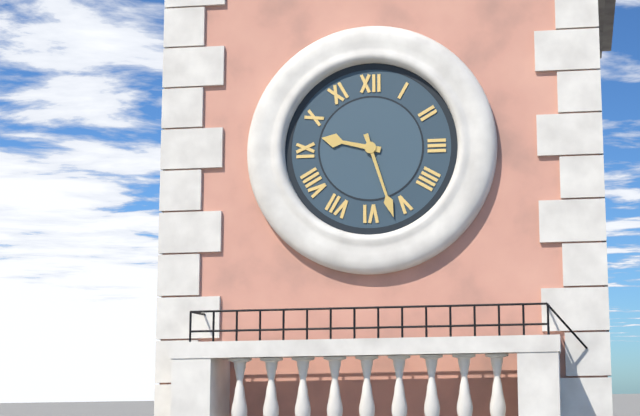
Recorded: 9 h 27 min
